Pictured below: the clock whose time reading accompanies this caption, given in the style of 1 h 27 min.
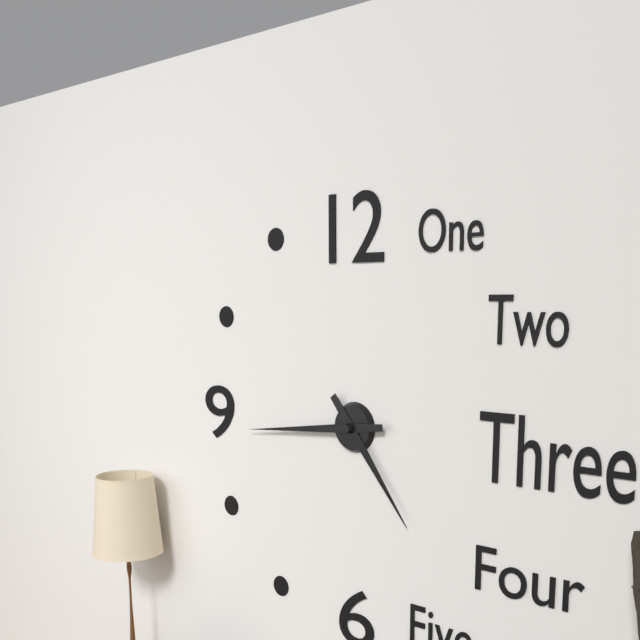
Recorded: 4 h 44 min
